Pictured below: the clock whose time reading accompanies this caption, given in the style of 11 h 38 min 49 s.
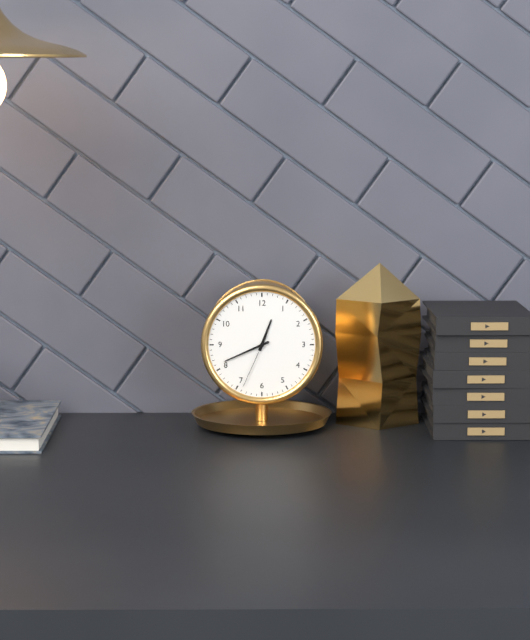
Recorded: 12 h 41 min 34 s
